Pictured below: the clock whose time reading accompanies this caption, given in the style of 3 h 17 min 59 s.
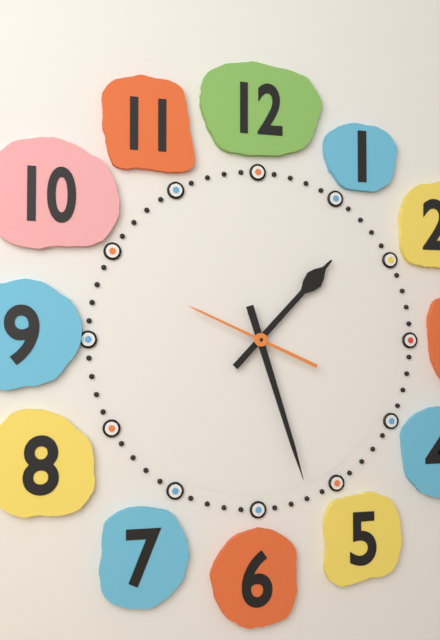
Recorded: 1 h 27 min 49 s
